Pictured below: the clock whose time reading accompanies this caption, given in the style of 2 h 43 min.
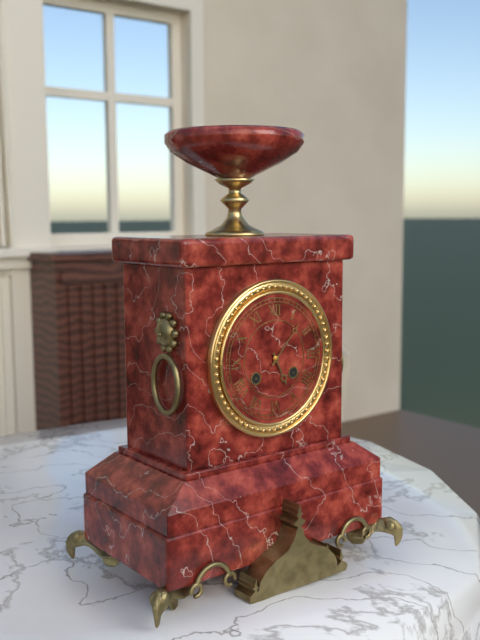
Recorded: 5 h 07 min
